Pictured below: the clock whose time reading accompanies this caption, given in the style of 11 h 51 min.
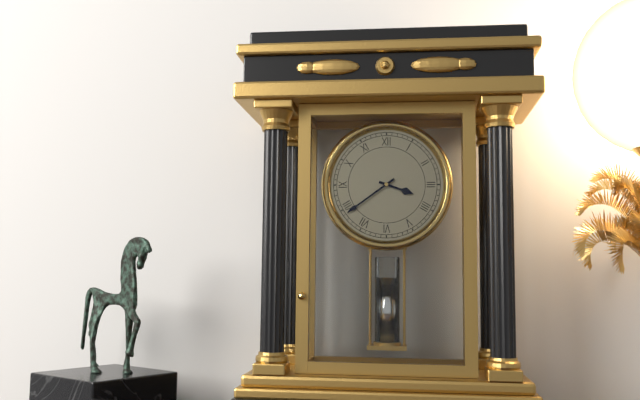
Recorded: 3 h 39 min
